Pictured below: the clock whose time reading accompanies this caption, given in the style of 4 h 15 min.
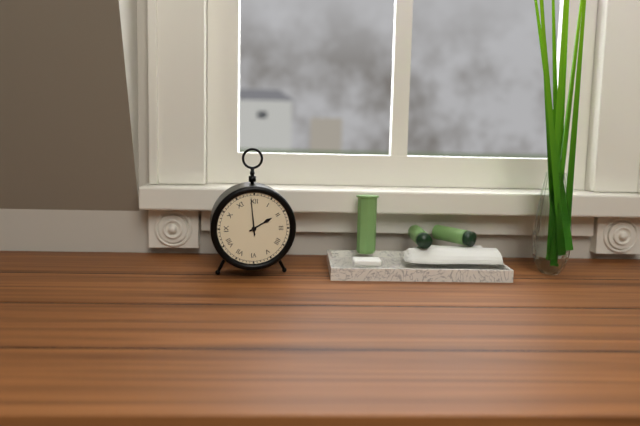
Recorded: 1 h 59 min
